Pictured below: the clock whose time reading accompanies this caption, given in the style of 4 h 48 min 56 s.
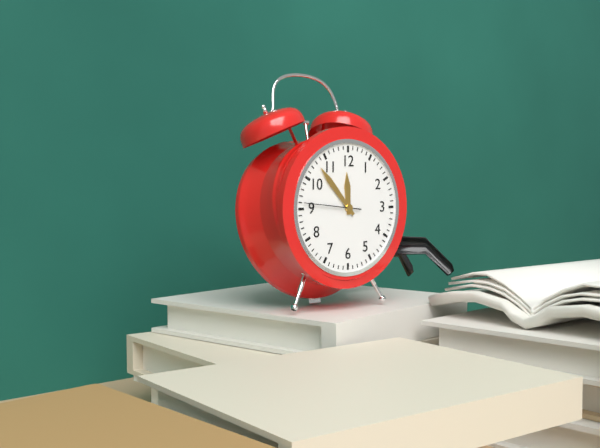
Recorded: 11 h 53 min 46 s
